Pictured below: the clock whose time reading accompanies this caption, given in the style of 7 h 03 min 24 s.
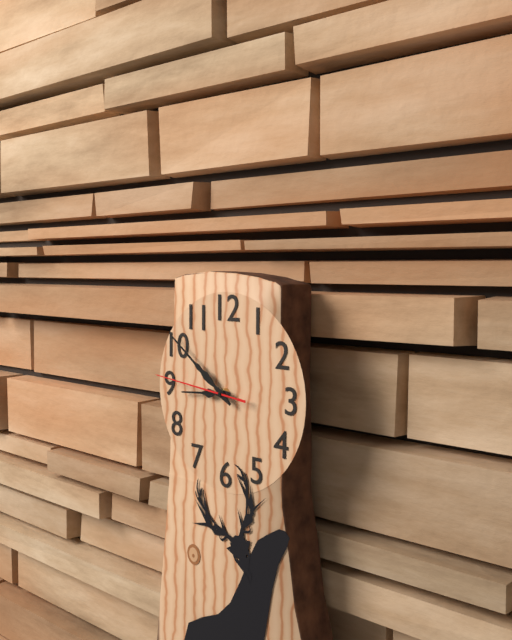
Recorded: 8 h 51 min 46 s
